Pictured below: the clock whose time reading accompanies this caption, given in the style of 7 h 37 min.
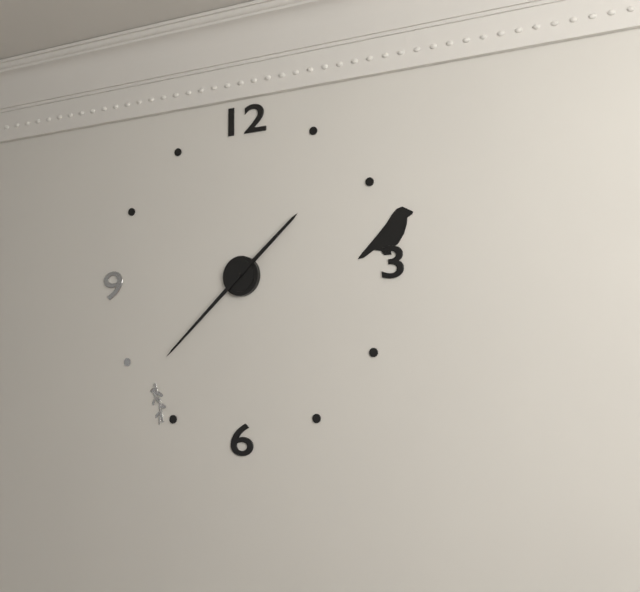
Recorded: 1 h 38 min
